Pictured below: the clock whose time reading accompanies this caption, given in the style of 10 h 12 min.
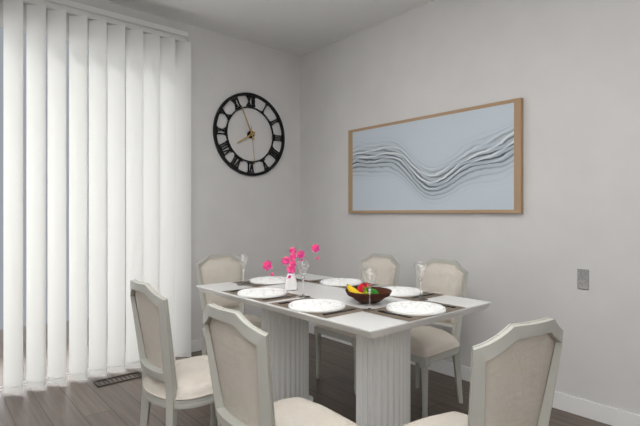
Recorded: 7 h 56 min
